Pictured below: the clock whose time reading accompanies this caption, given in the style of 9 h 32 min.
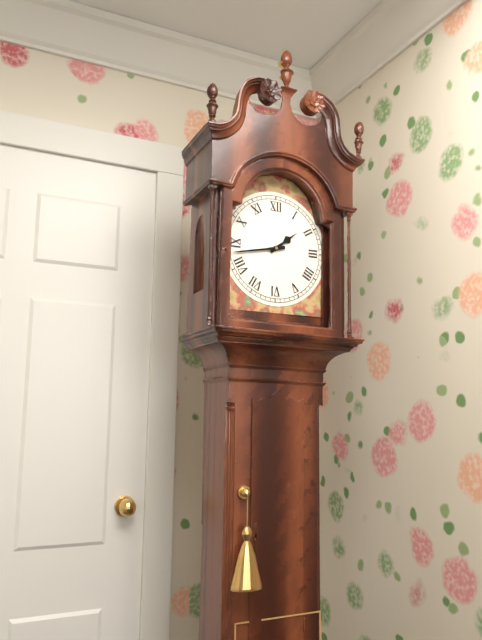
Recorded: 1 h 43 min
